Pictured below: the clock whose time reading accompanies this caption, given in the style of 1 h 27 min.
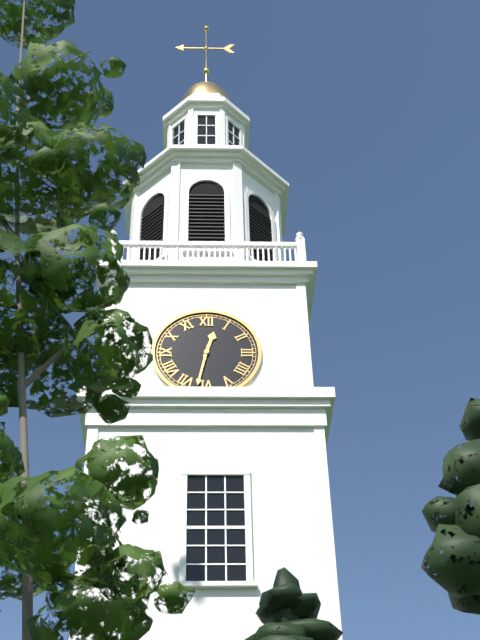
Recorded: 12 h 32 min
